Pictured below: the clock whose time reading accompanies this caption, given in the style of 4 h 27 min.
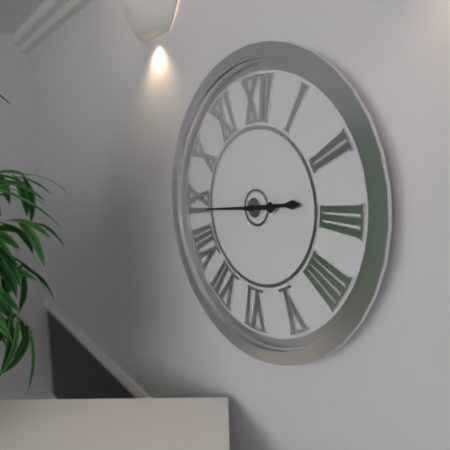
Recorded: 2 h 44 min
